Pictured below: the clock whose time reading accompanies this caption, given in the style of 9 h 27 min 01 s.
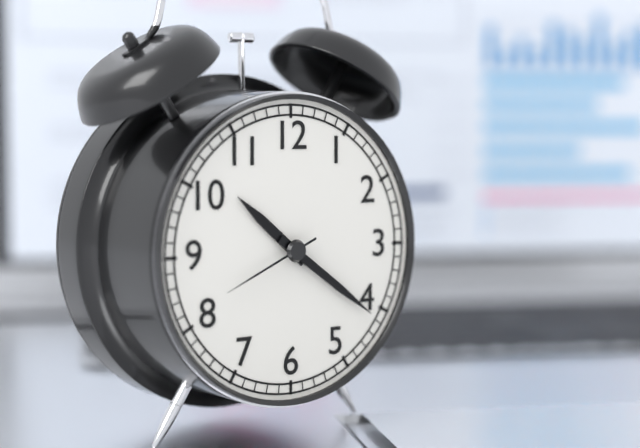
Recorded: 10 h 21 min 41 s
